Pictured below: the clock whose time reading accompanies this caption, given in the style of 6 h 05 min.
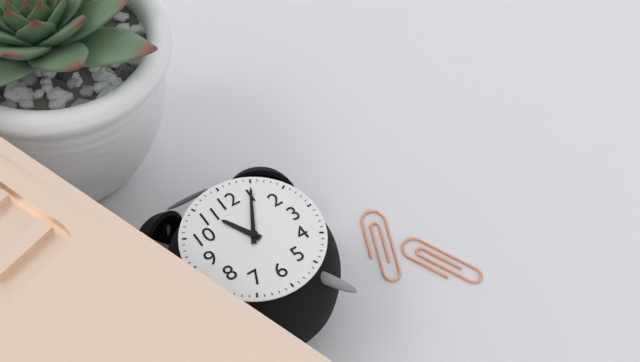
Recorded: 11 h 05 min
